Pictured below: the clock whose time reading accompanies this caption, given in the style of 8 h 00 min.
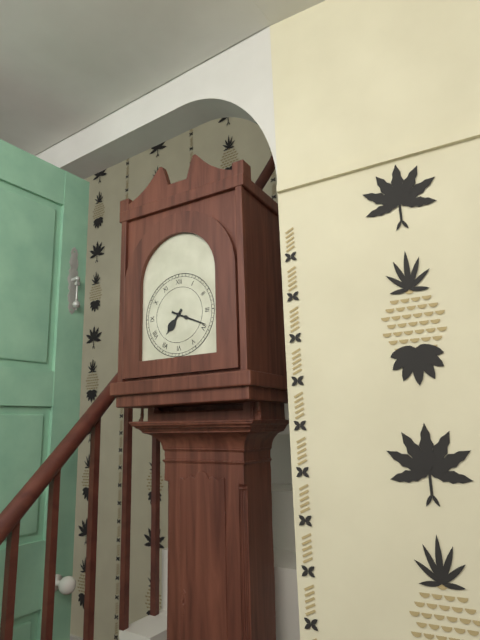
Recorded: 7 h 19 min
